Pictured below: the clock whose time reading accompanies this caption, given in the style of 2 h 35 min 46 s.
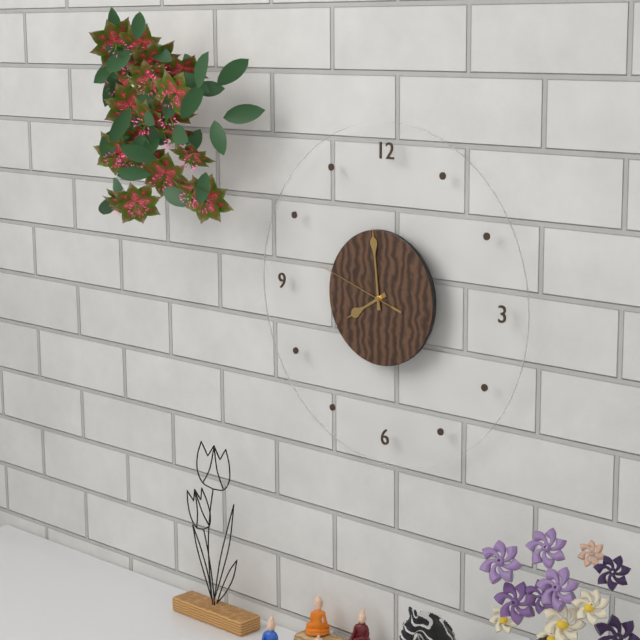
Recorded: 7 h 59 min 48 s
